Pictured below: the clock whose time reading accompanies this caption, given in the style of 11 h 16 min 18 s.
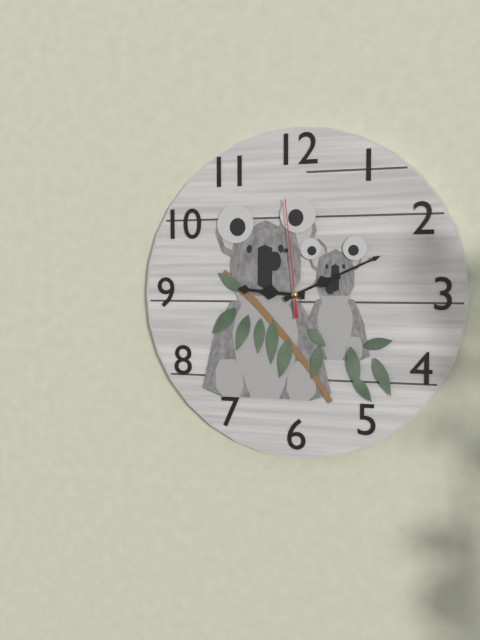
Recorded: 9 h 11 min 59 s
